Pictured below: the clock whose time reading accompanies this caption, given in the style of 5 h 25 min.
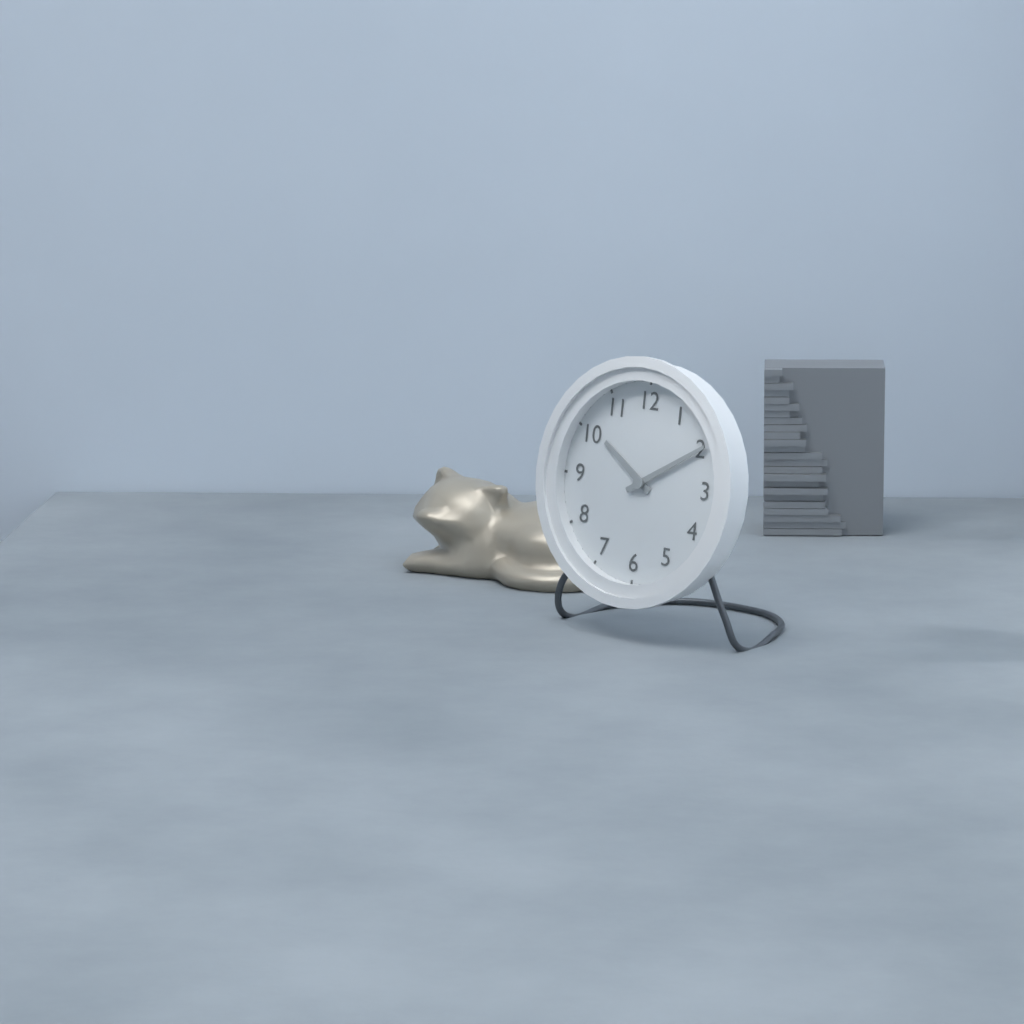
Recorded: 10 h 10 min
